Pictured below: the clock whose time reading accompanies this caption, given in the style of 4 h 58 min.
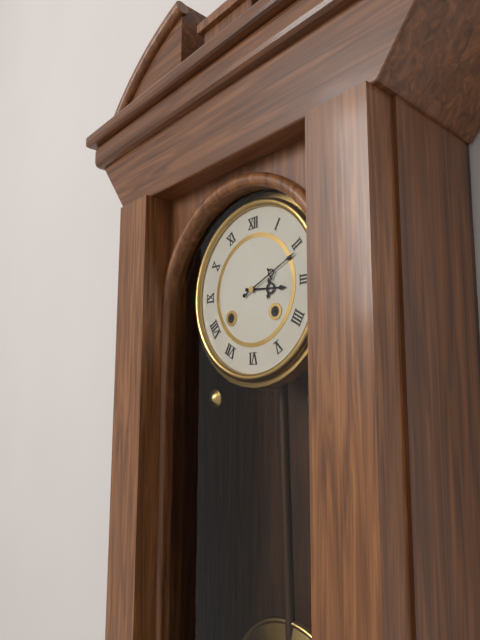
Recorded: 3 h 11 min
